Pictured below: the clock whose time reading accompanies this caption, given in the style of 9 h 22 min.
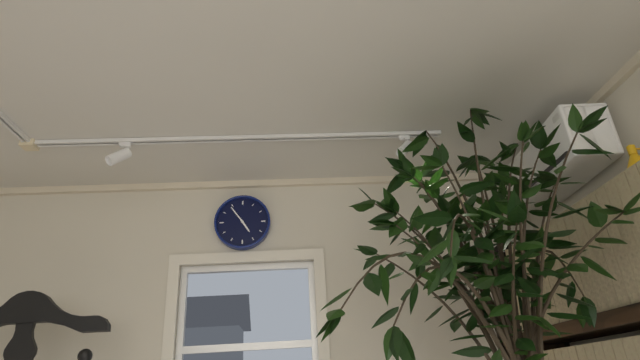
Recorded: 4 h 54 min
